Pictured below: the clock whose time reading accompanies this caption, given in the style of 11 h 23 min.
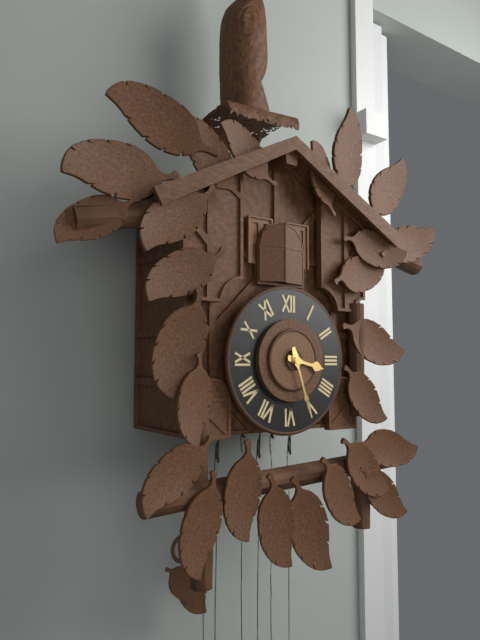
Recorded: 3 h 27 min
